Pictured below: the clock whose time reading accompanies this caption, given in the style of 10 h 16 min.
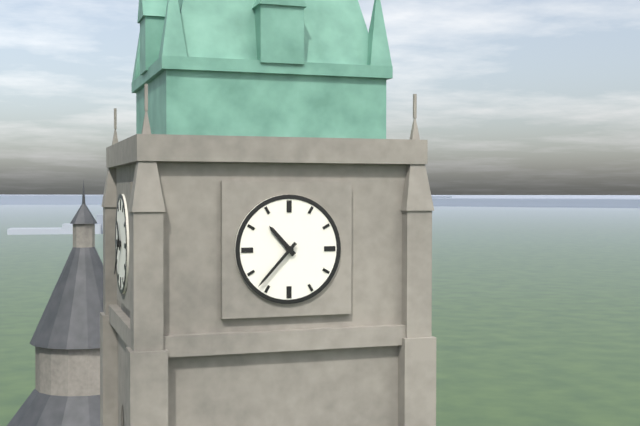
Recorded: 10 h 37 min
